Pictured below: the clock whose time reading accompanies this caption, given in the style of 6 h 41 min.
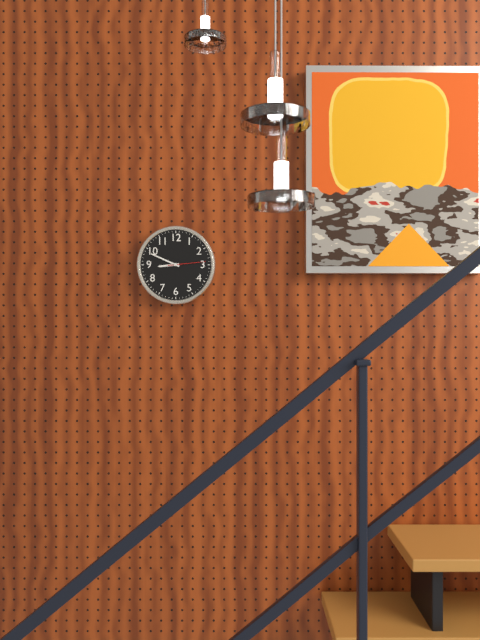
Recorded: 8 h 49 min
